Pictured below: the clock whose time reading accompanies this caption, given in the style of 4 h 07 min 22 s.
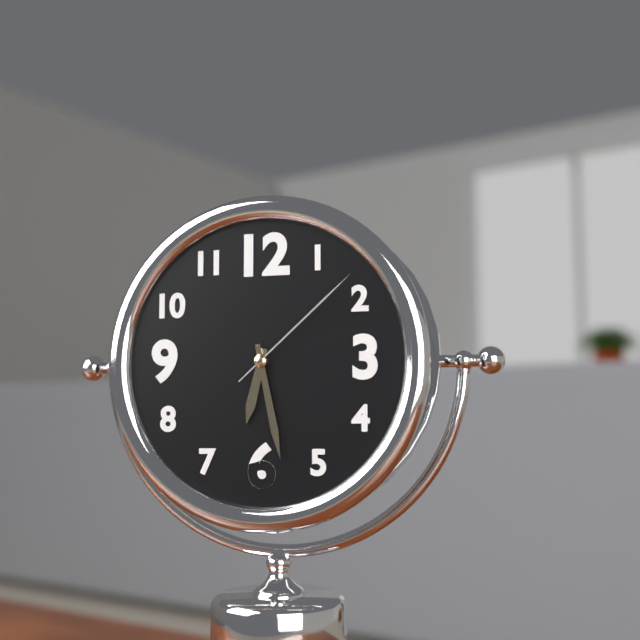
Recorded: 6 h 28 min 08 s
